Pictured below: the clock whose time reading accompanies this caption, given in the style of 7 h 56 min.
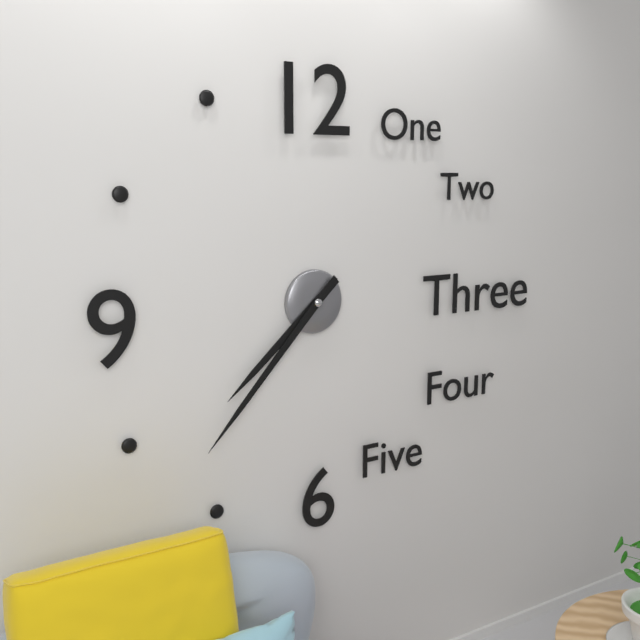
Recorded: 7 h 37 min
